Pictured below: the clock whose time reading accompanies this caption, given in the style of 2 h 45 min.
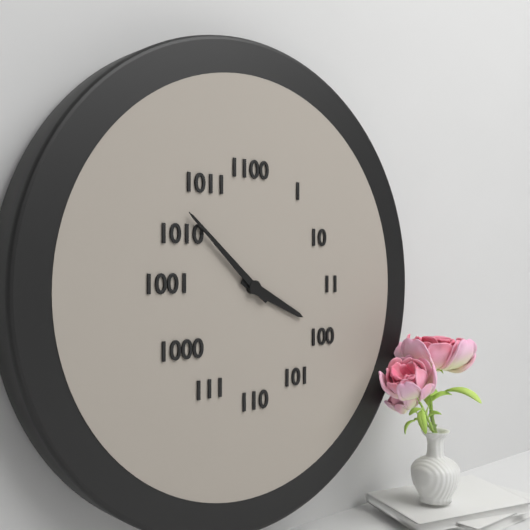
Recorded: 3 h 52 min
